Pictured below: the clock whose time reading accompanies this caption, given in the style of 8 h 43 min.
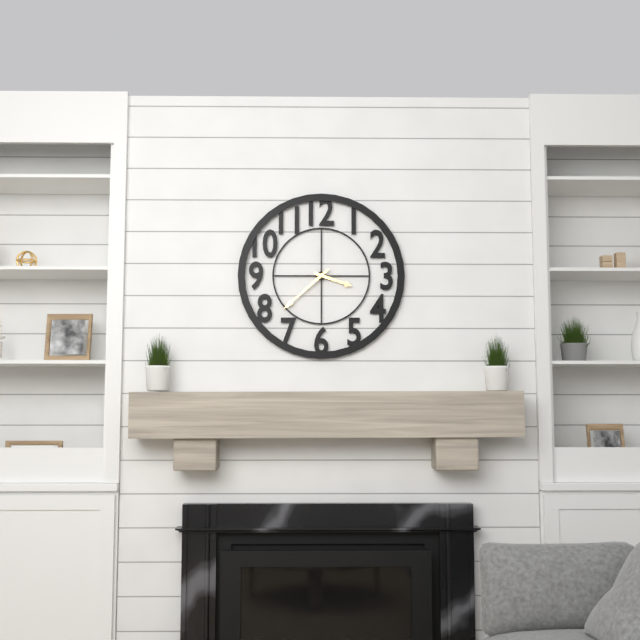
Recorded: 3 h 38 min
